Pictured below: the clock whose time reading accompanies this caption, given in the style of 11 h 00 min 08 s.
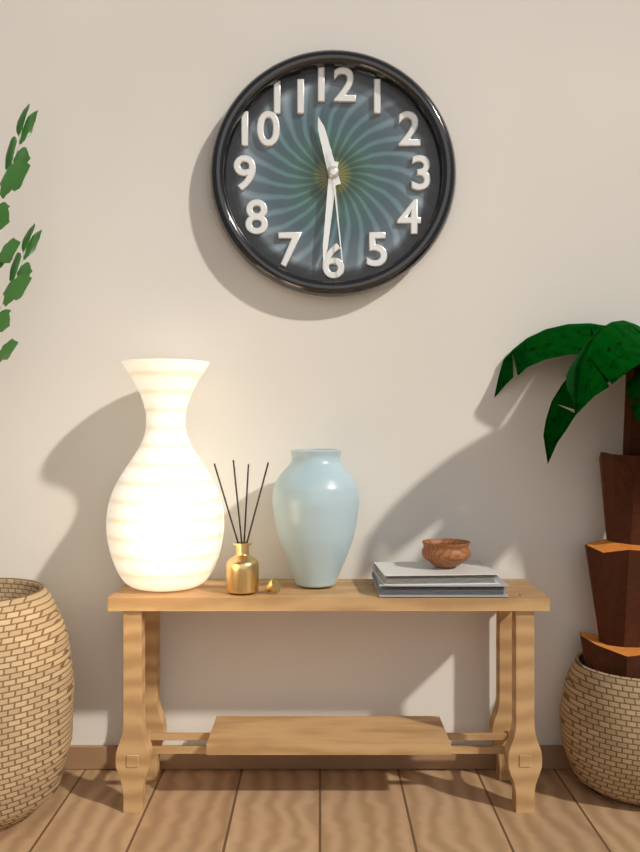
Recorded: 11 h 31 min 29 s
